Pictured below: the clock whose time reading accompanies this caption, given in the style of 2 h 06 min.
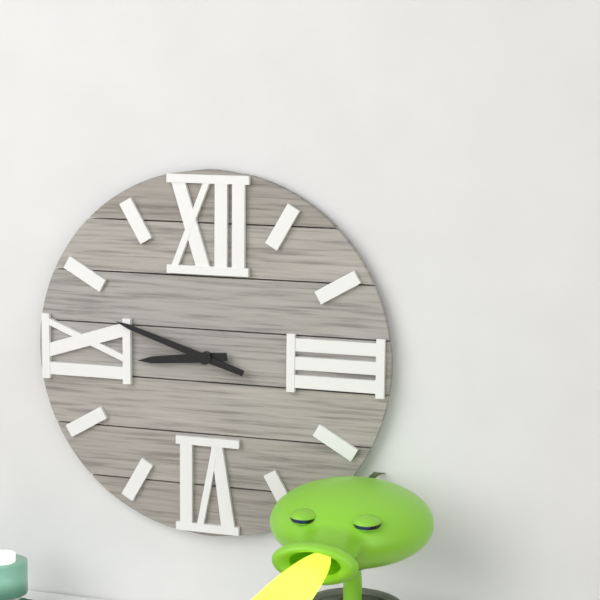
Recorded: 8 h 48 min
